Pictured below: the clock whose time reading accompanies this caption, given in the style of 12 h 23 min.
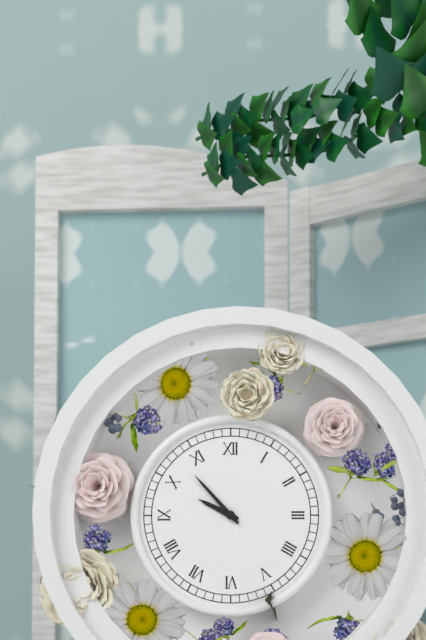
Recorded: 9 h 53 min
